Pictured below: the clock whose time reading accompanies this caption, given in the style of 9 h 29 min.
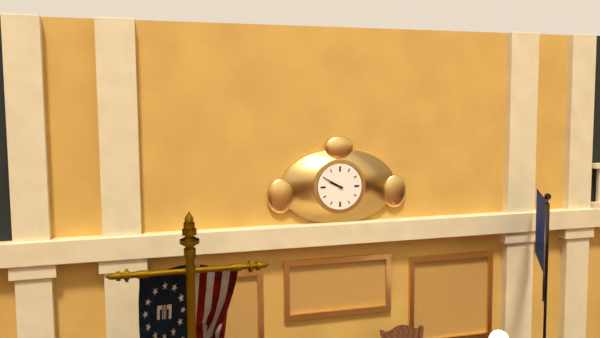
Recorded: 9 h 50 min
